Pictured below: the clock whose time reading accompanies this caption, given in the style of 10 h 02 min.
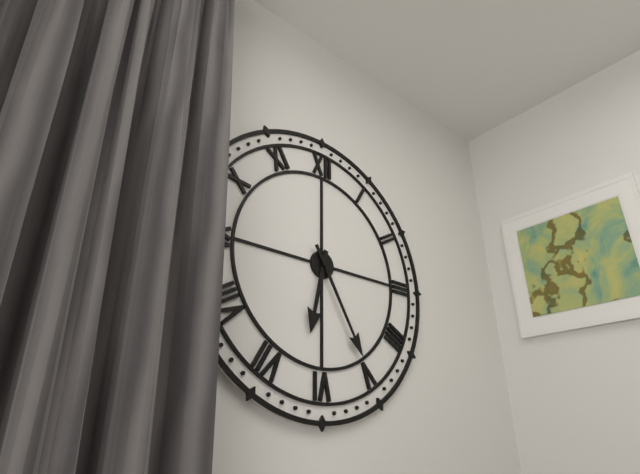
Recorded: 6 h 25 min
